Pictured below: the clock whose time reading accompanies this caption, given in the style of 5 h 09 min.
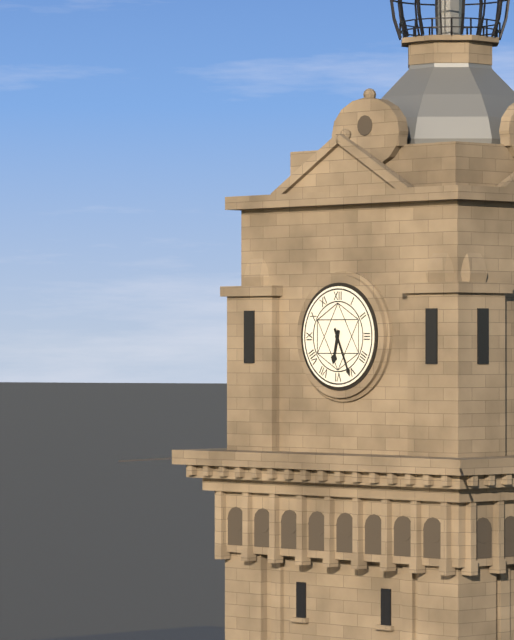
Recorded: 6 h 26 min
